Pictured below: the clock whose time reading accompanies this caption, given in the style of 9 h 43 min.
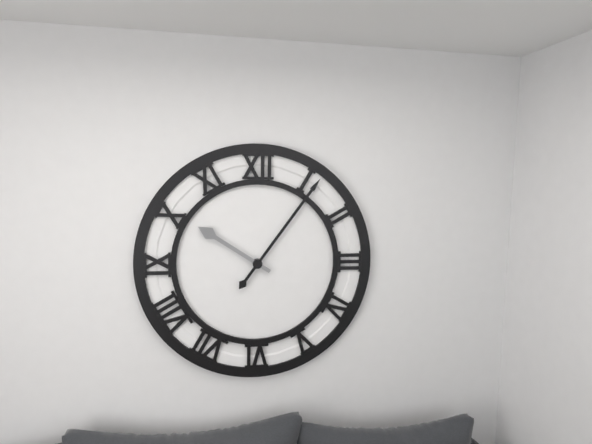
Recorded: 10 h 06 min
